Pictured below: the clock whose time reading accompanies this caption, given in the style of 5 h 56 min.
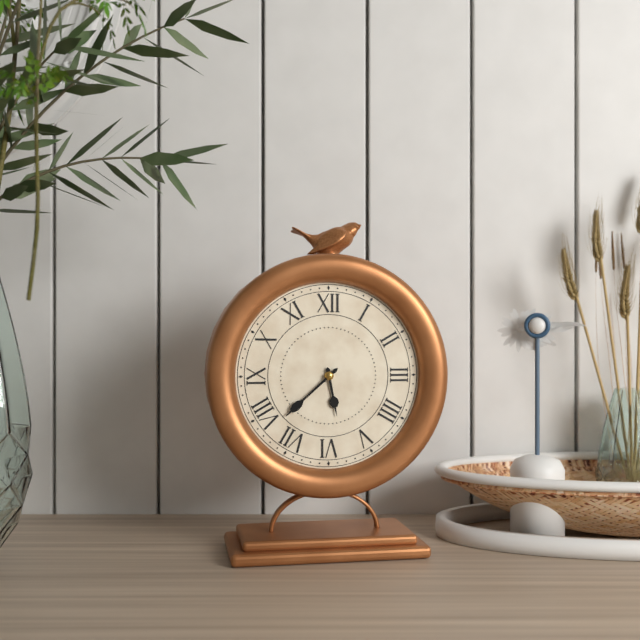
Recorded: 5 h 38 min
